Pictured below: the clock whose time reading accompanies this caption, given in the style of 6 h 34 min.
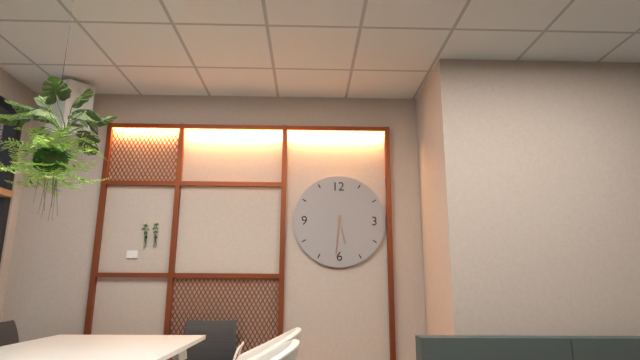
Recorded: 5 h 31 min
